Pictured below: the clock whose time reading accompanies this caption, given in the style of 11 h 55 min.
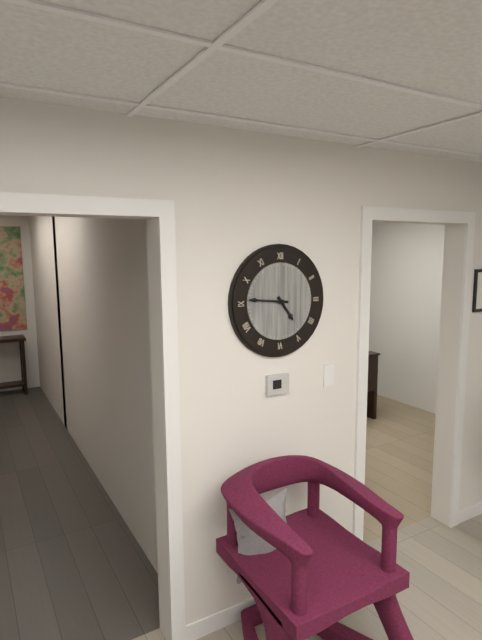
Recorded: 4 h 46 min
